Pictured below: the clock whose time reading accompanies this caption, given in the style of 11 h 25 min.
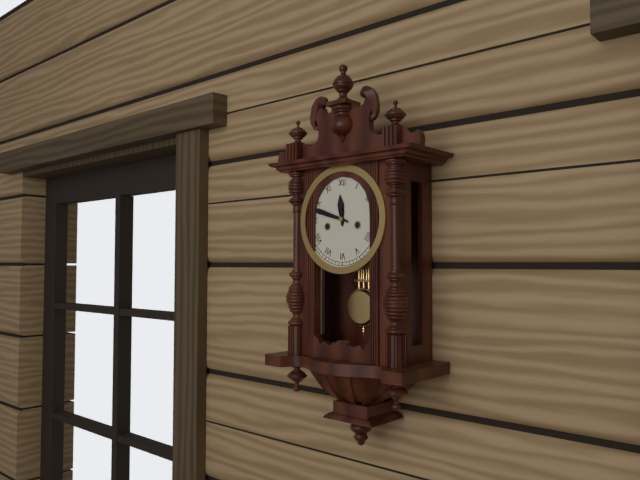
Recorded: 11 h 48 min
